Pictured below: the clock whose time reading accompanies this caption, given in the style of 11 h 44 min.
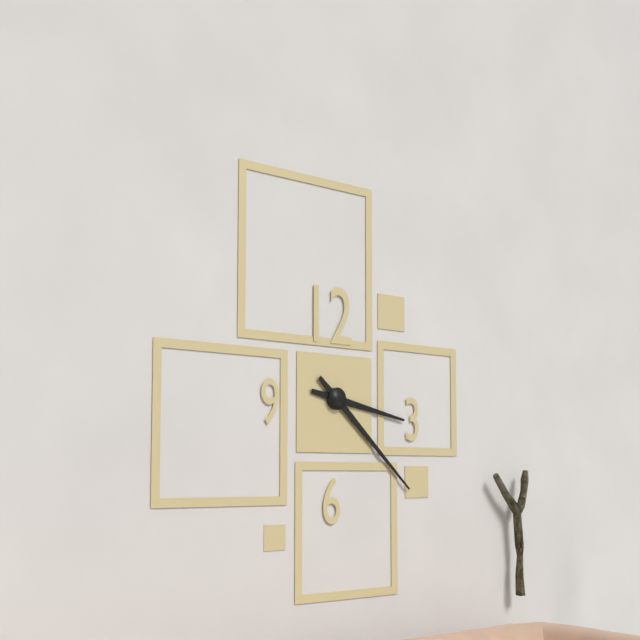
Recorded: 3 h 22 min
